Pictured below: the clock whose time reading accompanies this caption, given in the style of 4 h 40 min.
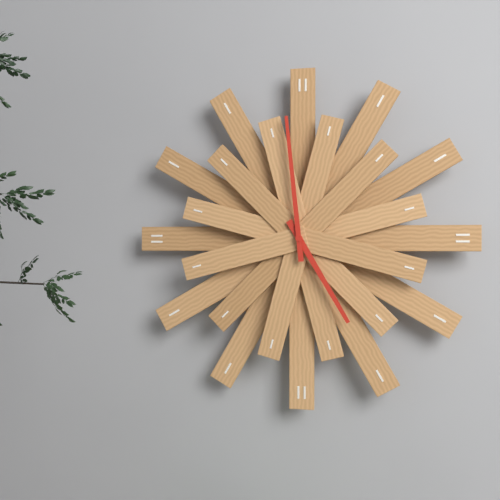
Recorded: 4 h 59 min
